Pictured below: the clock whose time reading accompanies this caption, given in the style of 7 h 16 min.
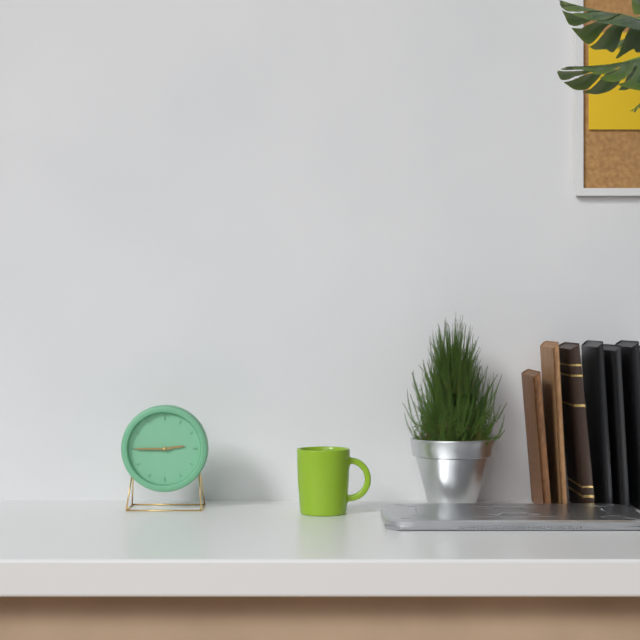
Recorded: 2 h 45 min
